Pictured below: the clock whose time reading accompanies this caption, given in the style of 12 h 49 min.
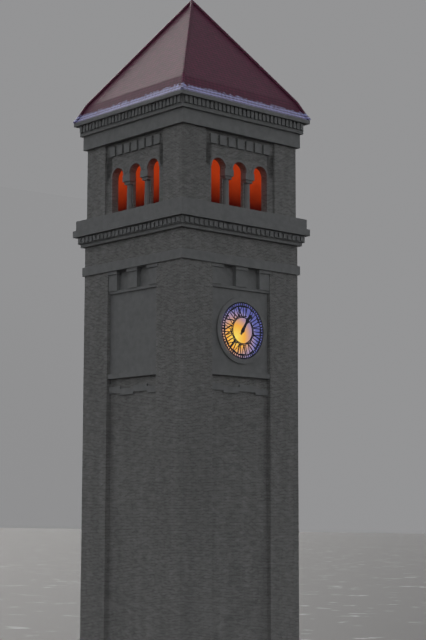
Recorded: 1 h 06 min
